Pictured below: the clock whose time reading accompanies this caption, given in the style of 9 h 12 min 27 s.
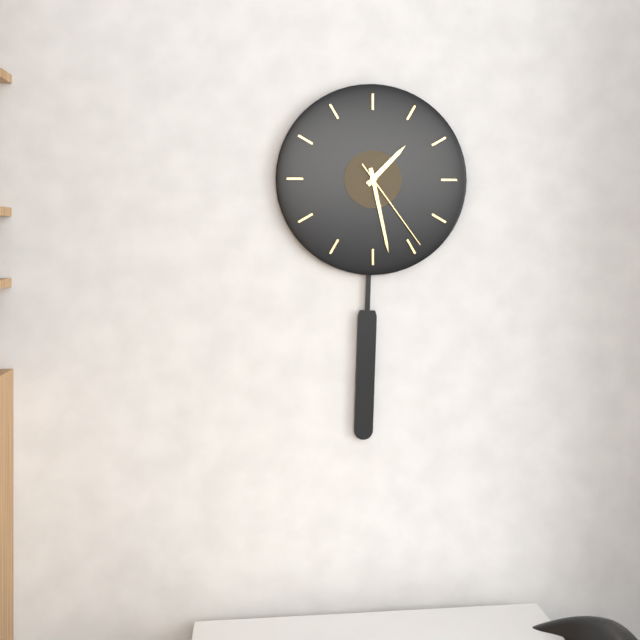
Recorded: 1 h 28 min 24 s
